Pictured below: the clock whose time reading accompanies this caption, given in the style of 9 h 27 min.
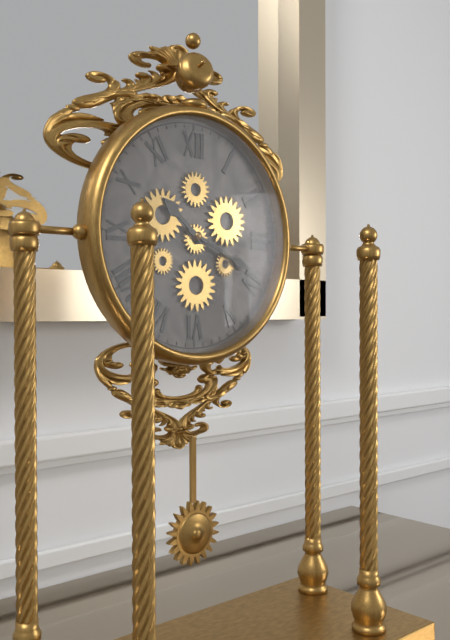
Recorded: 10 h 19 min
